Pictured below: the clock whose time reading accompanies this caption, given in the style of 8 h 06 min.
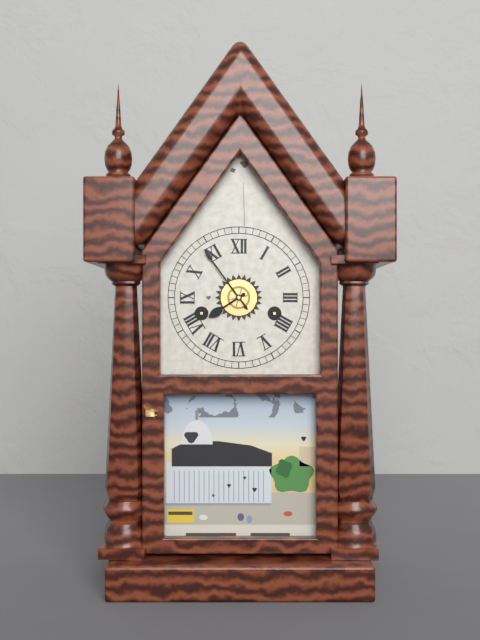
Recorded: 7 h 54 min
